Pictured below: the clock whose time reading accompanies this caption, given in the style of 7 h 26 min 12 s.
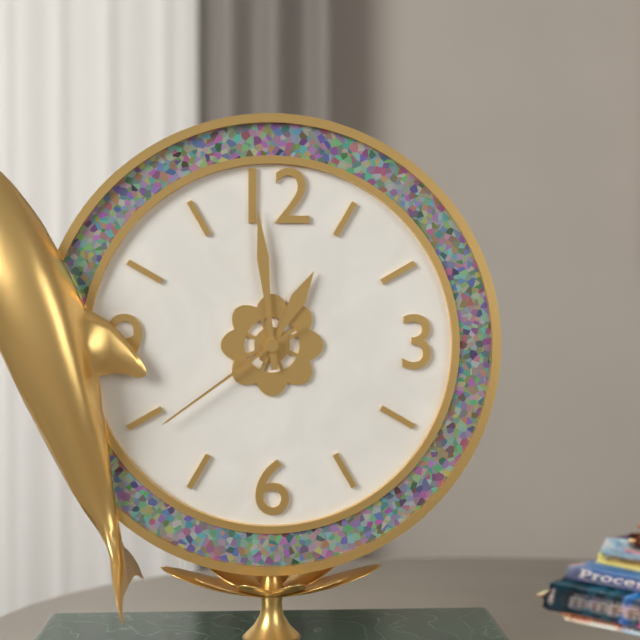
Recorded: 12 h 59 min 39 s
